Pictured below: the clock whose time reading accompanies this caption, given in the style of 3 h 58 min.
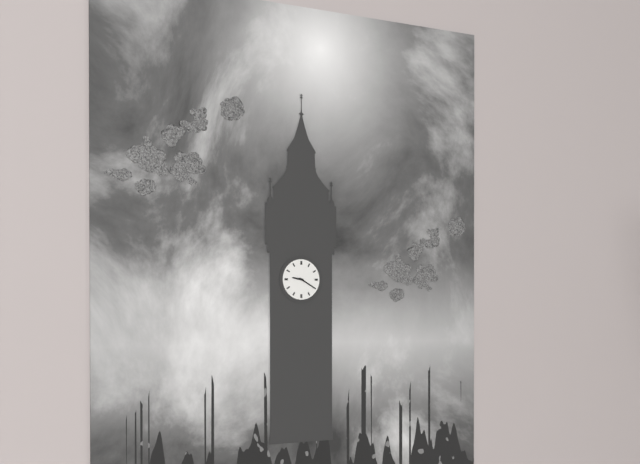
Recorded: 9 h 20 min
